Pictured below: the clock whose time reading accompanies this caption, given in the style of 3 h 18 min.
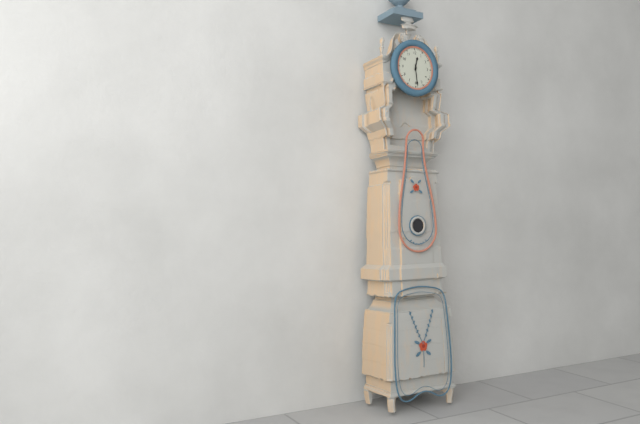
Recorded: 12 h 29 min
